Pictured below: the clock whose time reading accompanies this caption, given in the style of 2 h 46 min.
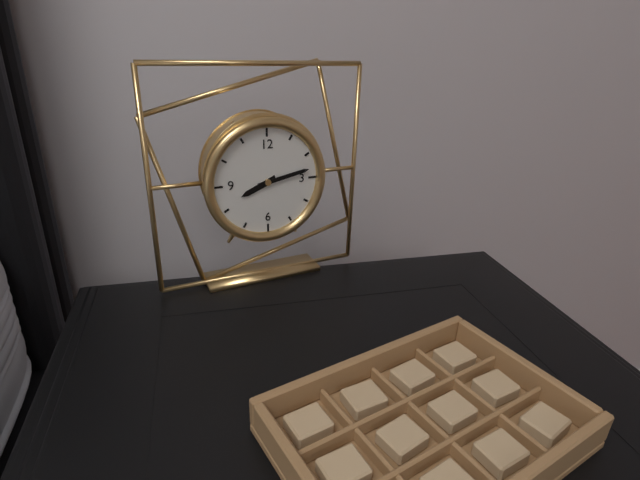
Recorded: 8 h 13 min
